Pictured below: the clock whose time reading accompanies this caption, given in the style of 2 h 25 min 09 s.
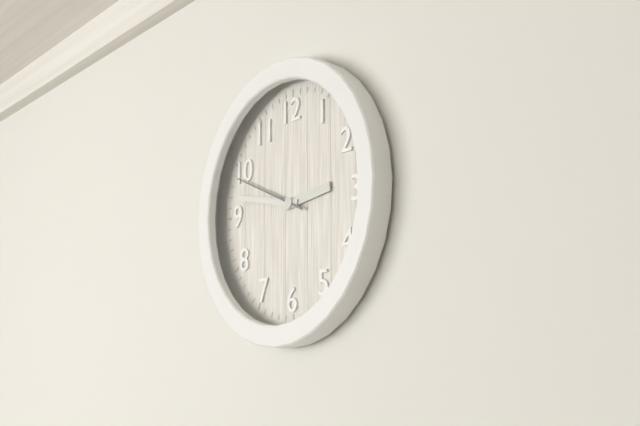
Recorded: 2 h 47 min 49 s
